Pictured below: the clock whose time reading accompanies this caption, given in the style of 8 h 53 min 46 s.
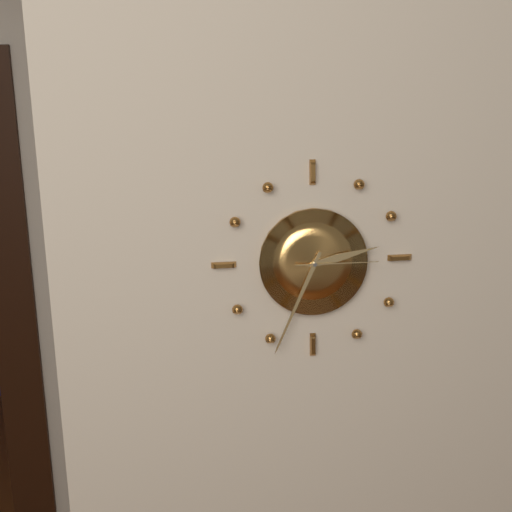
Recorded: 2 h 34 min 15 s
